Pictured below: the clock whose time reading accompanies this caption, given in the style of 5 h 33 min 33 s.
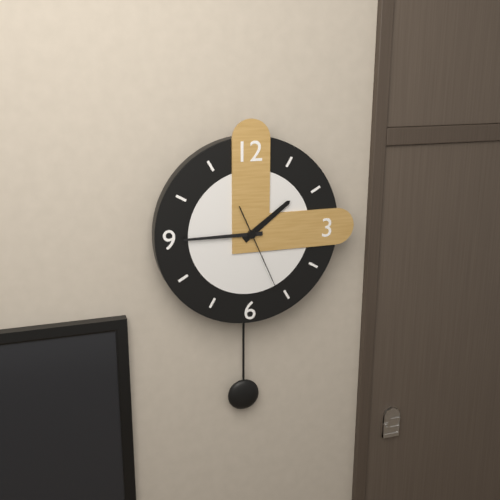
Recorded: 1 h 45 min 26 s
